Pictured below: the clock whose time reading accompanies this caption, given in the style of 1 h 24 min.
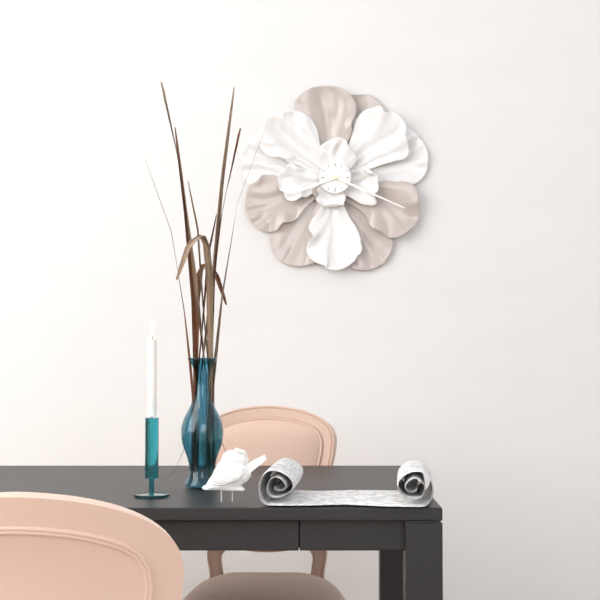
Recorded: 8 h 19 min
